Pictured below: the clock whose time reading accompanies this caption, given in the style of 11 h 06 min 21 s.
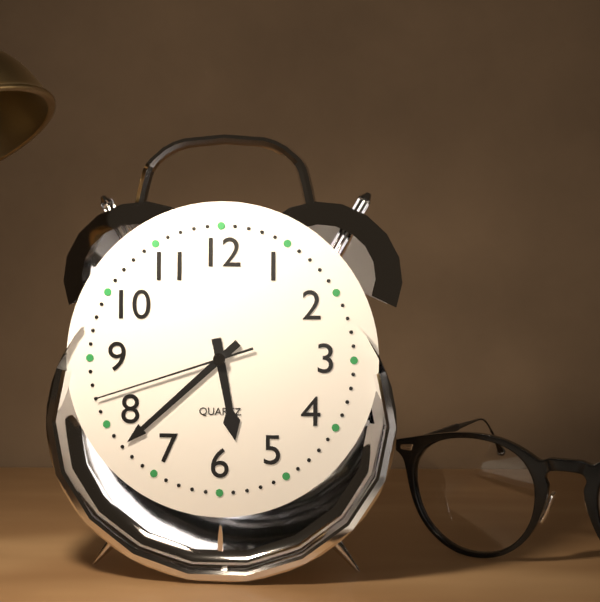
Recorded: 5 h 38 min 42 s
